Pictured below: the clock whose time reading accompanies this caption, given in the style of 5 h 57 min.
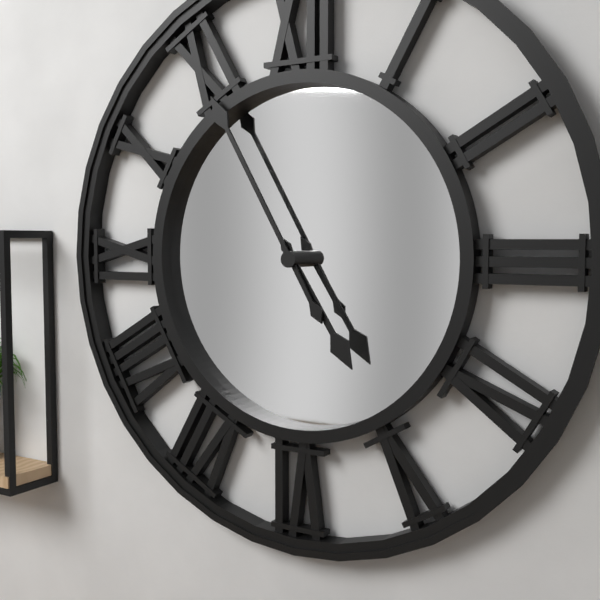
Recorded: 4 h 55 min
